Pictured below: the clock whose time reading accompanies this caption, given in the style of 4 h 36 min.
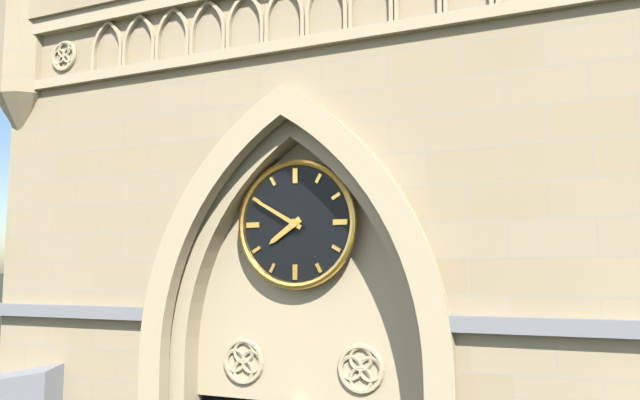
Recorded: 7 h 50 min
